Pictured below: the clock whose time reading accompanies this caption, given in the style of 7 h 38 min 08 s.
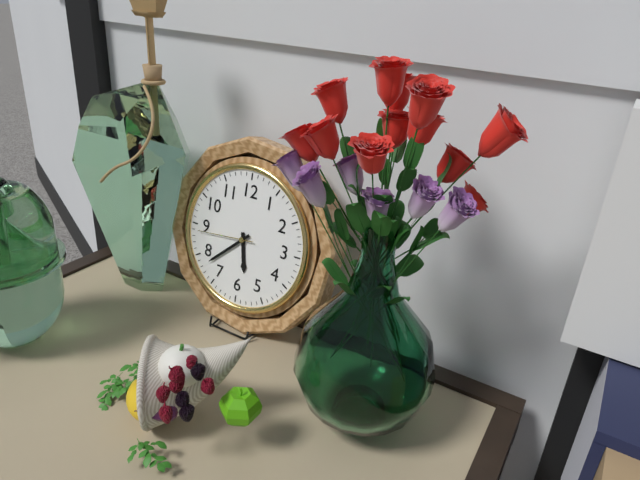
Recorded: 5 h 38 min 44 s
